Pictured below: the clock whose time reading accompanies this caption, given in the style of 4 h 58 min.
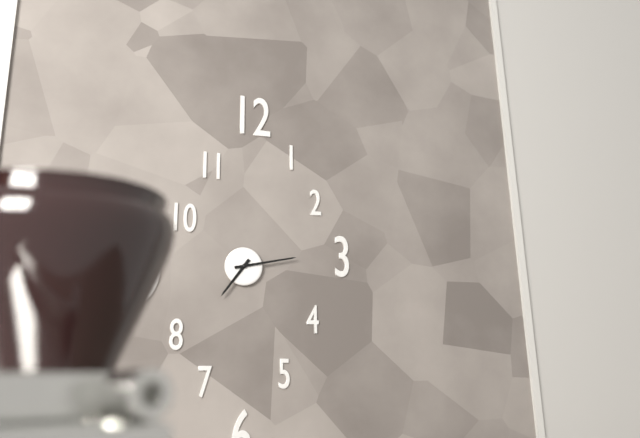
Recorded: 7 h 13 min
